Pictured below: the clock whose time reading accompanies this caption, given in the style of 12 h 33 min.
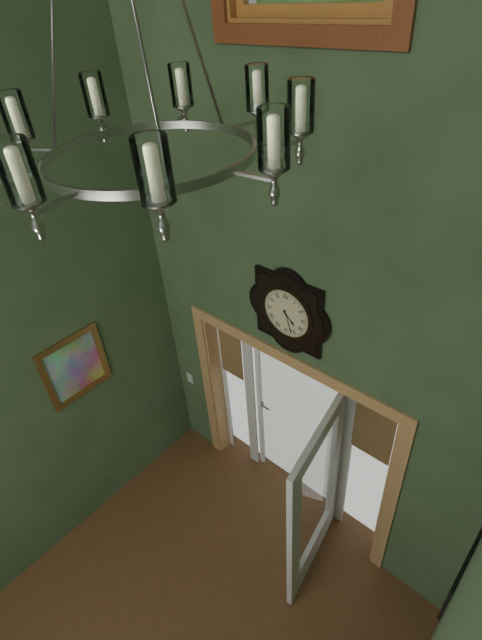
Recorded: 4 h 27 min
